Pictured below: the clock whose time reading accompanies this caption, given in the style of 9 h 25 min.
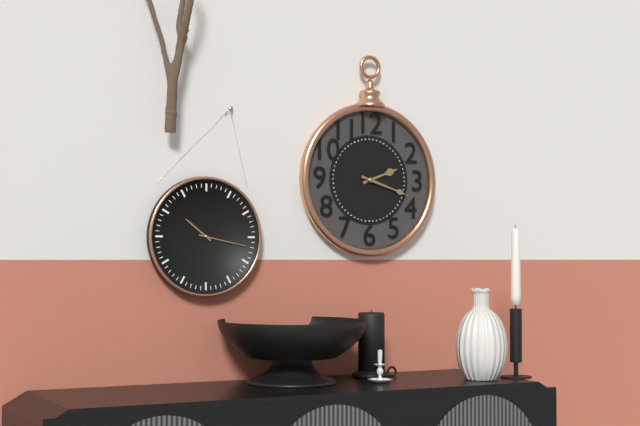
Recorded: 2 h 18 min
